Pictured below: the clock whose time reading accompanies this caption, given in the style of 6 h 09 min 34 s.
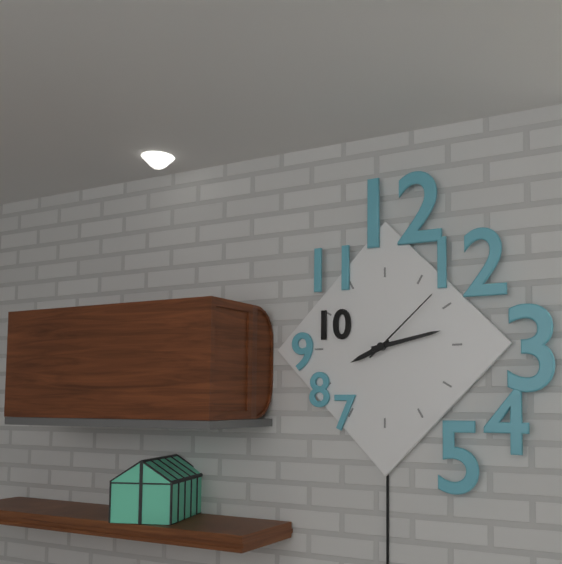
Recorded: 8 h 13 min 08 s
